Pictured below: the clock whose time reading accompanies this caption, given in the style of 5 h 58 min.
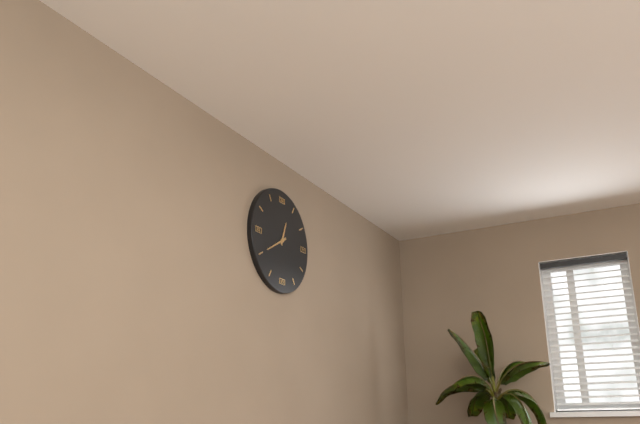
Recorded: 12 h 40 min
